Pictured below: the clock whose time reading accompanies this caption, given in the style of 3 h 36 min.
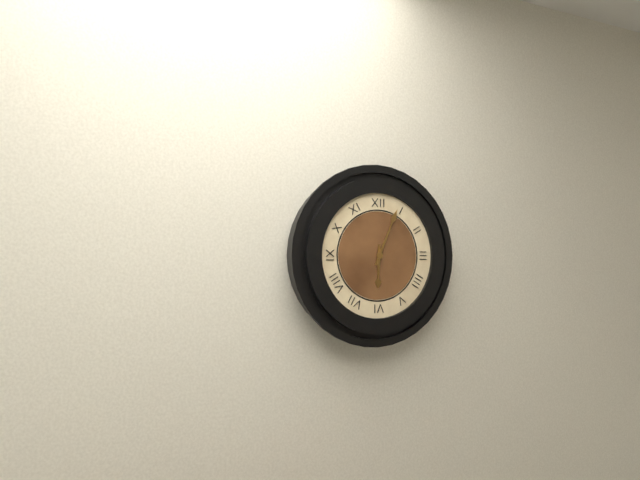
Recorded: 6 h 04 min
